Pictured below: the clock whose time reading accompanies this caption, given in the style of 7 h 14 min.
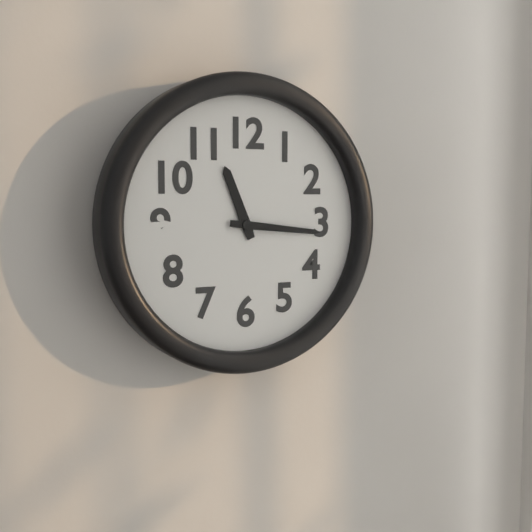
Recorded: 11 h 16 min
